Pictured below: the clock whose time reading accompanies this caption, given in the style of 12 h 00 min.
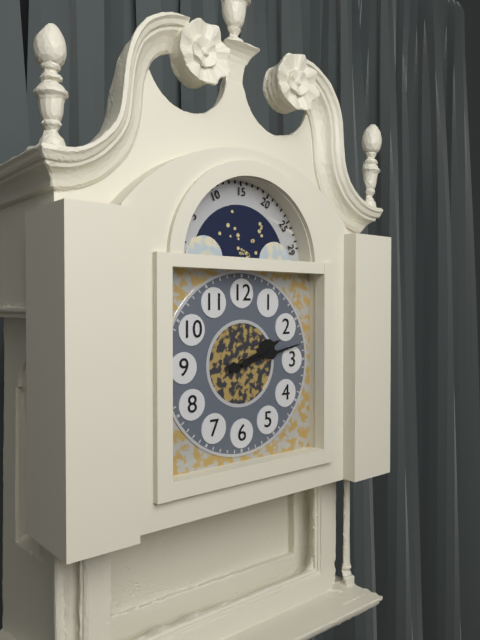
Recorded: 2 h 13 min
